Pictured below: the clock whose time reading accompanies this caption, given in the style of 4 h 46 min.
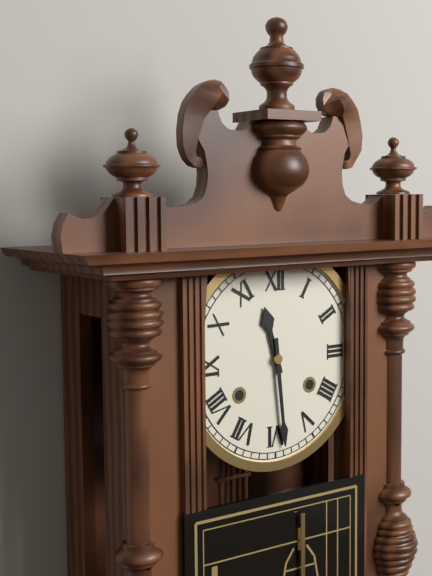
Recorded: 11 h 29 min
